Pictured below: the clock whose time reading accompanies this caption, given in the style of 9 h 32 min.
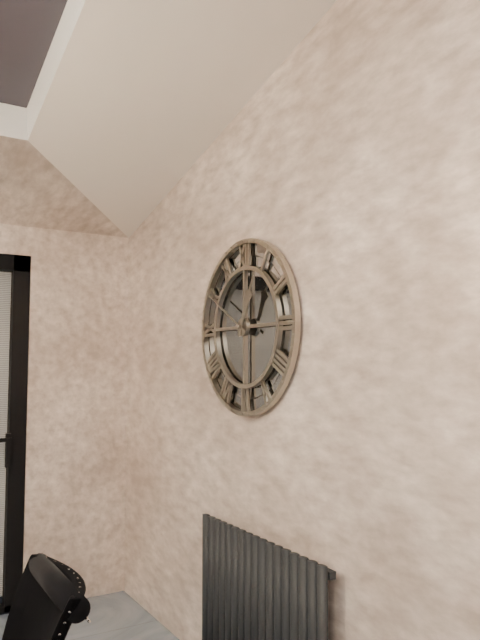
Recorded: 12 h 50 min
